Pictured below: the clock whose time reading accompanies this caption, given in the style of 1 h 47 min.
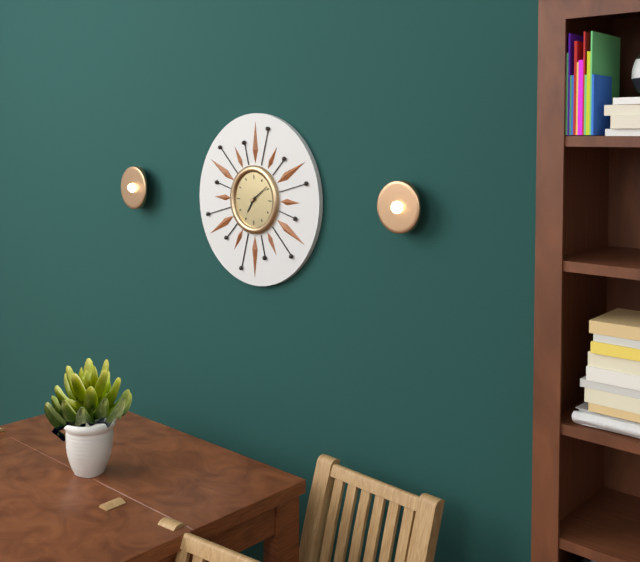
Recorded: 7 h 09 min
